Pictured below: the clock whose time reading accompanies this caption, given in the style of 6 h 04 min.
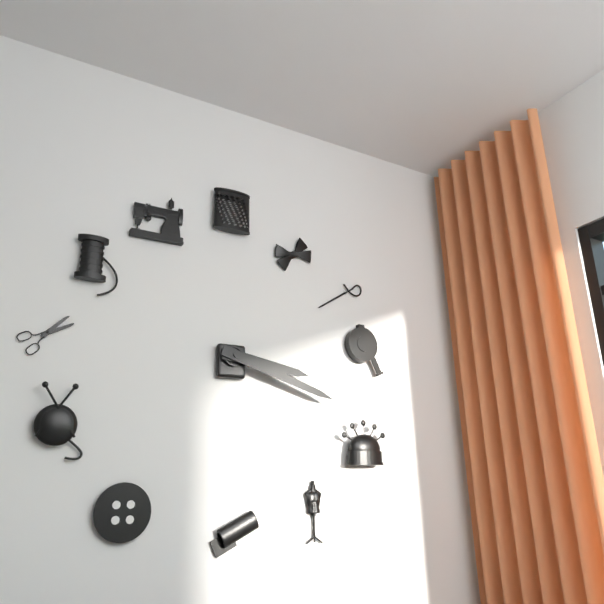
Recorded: 3 h 18 min
